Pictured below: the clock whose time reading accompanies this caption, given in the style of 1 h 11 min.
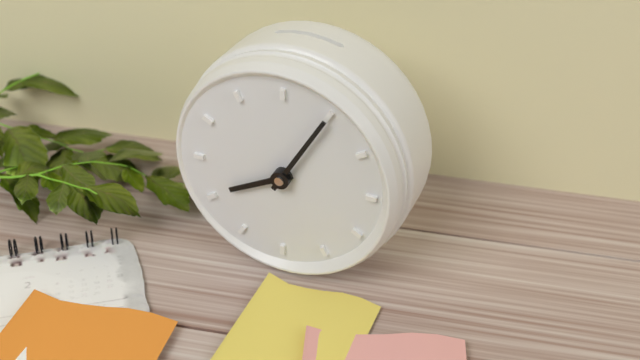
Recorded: 8 h 05 min
